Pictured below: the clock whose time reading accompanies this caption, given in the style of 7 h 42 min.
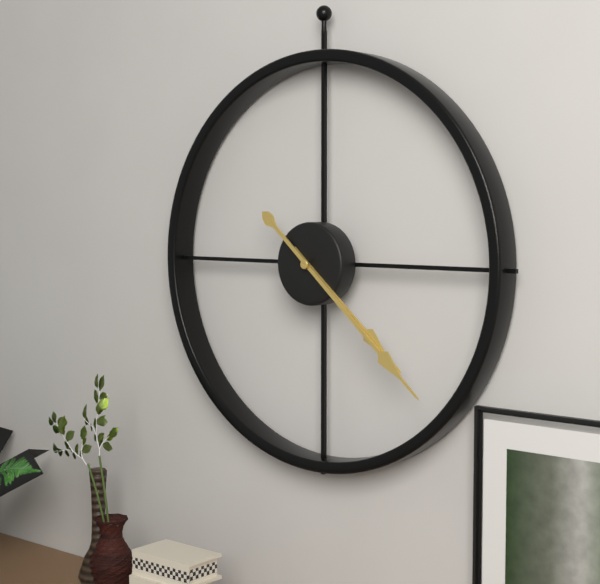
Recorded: 4 h 22 min
